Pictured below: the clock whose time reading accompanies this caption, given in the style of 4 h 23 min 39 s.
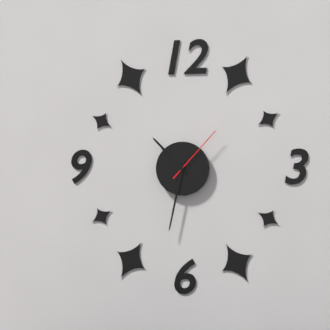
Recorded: 10 h 32 min 07 s
